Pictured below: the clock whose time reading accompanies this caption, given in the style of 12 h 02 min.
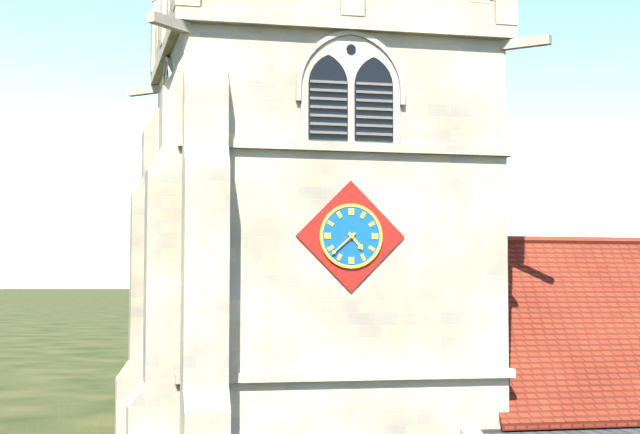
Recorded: 4 h 38 min
